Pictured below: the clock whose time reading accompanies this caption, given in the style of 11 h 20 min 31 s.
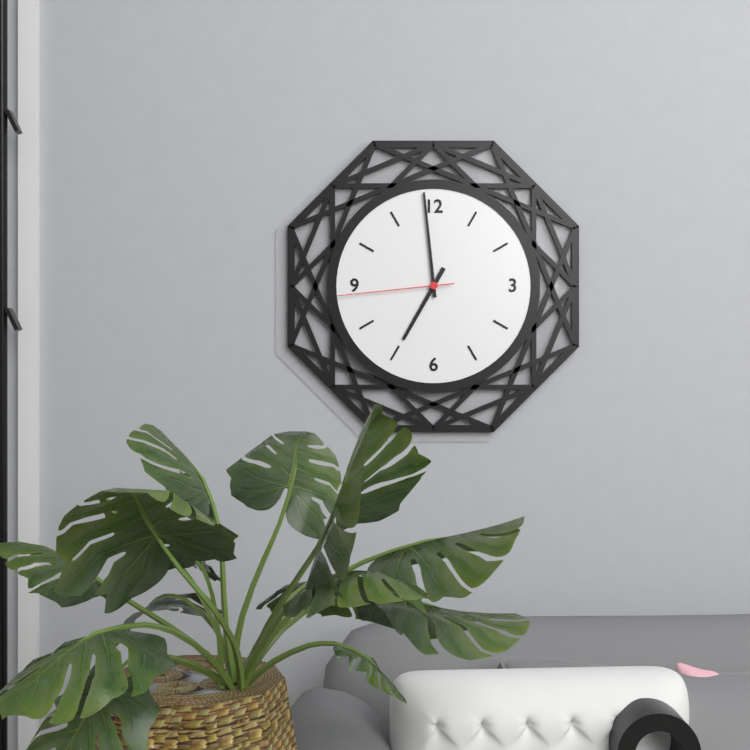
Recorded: 6 h 59 min 44 s
